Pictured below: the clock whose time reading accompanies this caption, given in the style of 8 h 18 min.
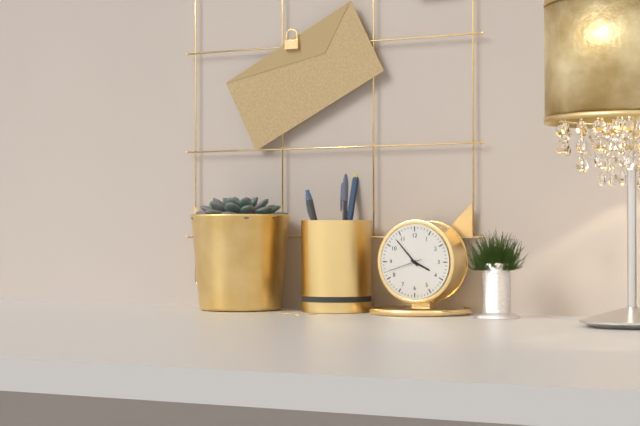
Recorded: 3 h 53 min
